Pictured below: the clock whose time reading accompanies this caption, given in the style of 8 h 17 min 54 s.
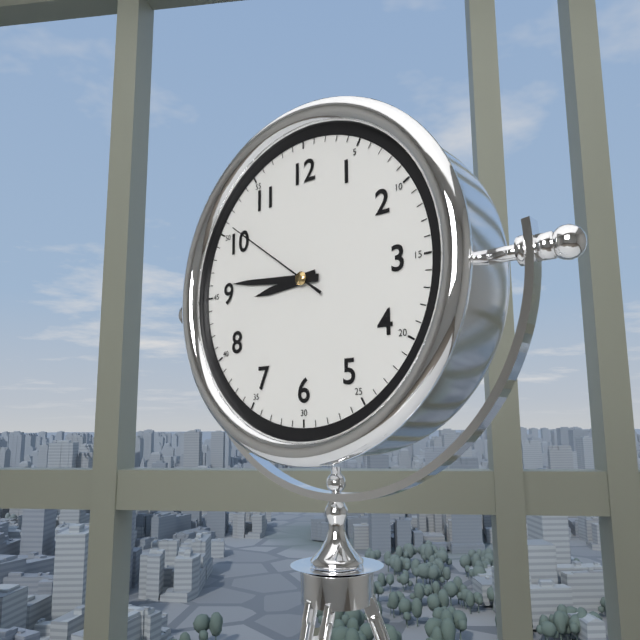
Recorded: 8 h 46 min 51 s
